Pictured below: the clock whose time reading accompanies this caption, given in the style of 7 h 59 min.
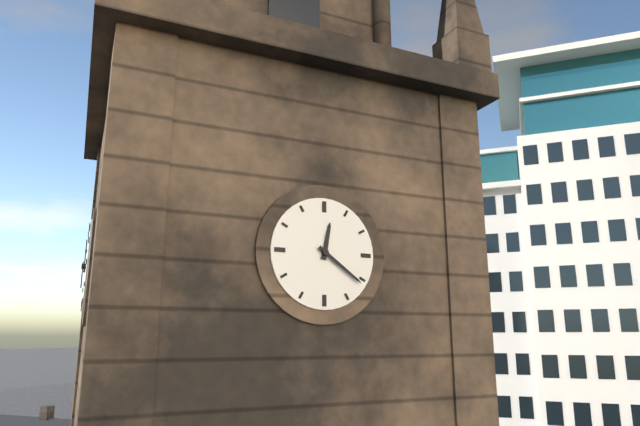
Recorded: 12 h 21 min
